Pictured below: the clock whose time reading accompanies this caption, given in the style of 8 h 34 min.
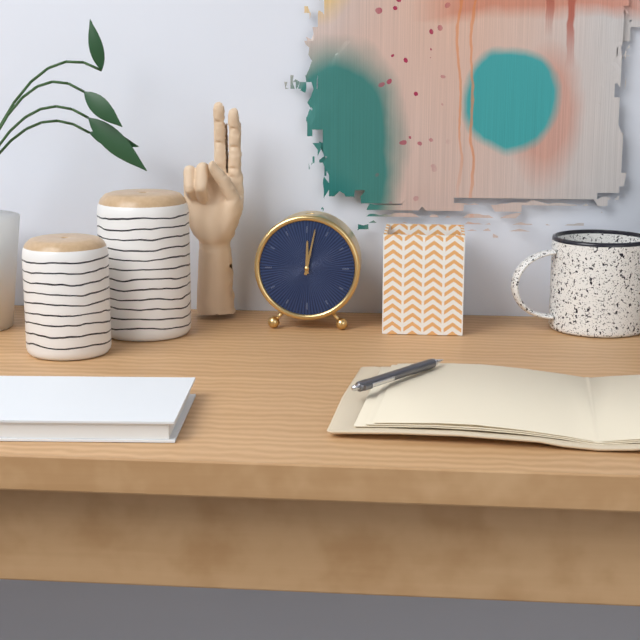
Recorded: 12 h 02 min
